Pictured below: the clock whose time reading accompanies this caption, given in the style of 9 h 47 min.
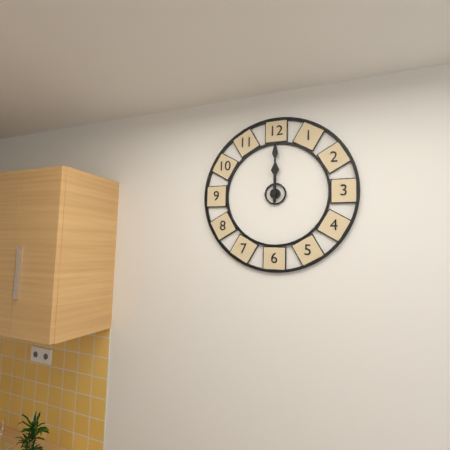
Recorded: 12 h 00 min
